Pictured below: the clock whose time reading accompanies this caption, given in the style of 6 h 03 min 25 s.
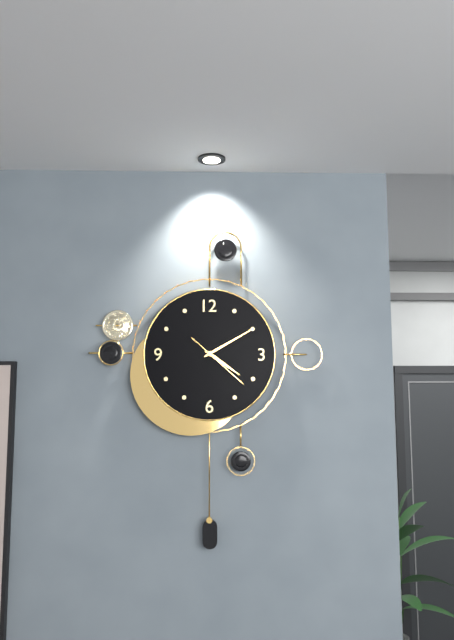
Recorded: 4 h 10 min 22 s
